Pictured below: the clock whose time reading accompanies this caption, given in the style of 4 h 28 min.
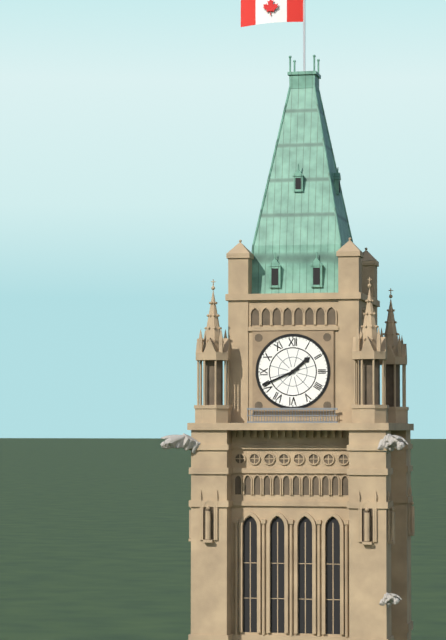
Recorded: 1 h 41 min
